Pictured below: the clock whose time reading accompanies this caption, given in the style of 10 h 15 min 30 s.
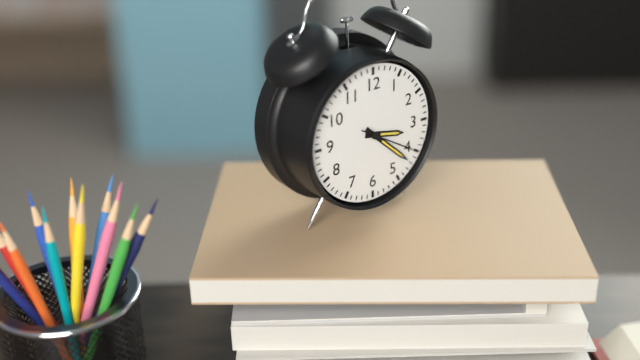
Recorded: 3 h 22 min 20 s
